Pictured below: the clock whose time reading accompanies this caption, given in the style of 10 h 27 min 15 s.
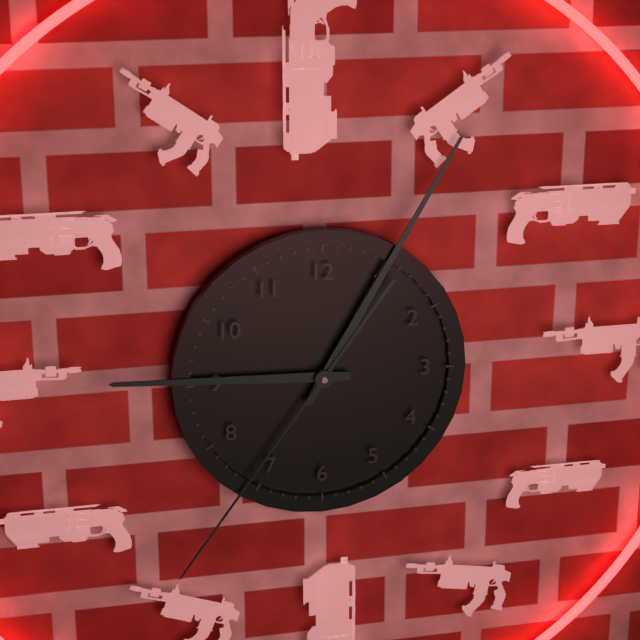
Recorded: 9 h 05 min 36 s
